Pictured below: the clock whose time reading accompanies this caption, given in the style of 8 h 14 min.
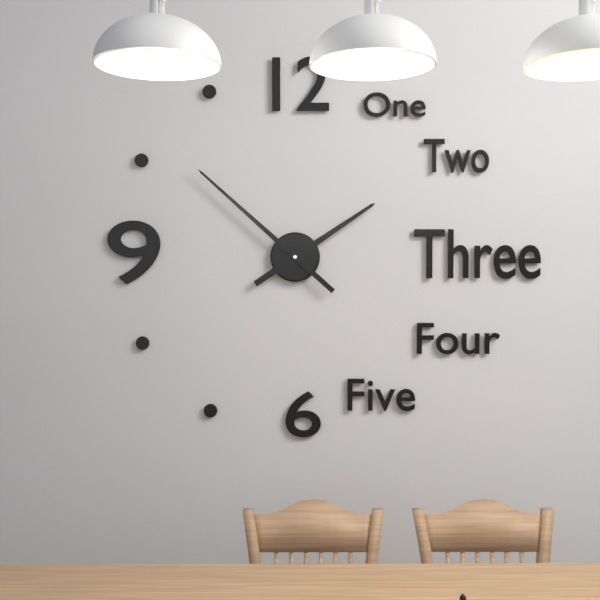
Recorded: 1 h 52 min
